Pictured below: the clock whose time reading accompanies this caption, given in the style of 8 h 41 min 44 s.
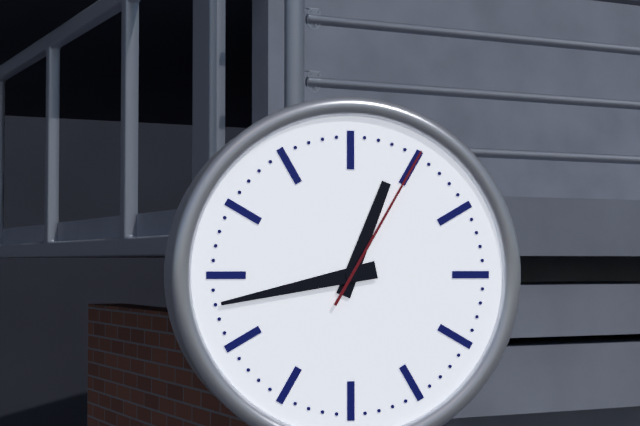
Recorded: 12 h 43 min 05 s
